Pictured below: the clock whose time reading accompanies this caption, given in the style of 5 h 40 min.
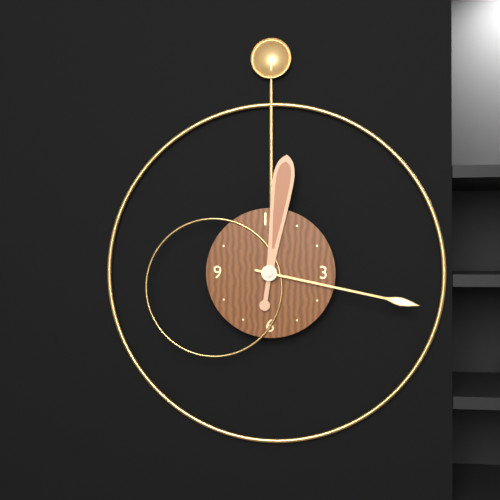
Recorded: 12 h 17 min
